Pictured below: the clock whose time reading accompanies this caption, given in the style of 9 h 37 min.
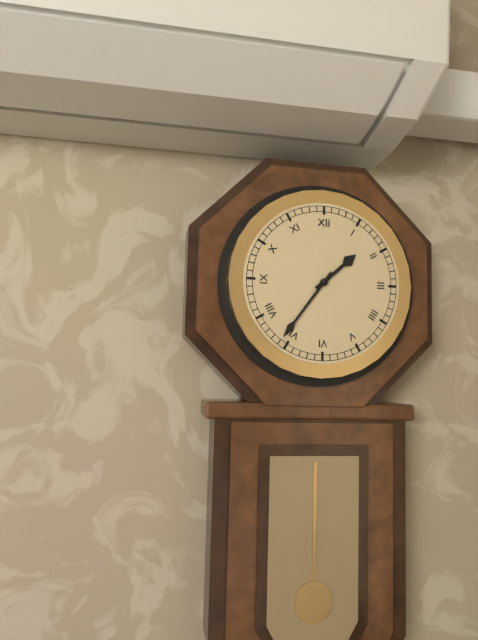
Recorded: 1 h 36 min
